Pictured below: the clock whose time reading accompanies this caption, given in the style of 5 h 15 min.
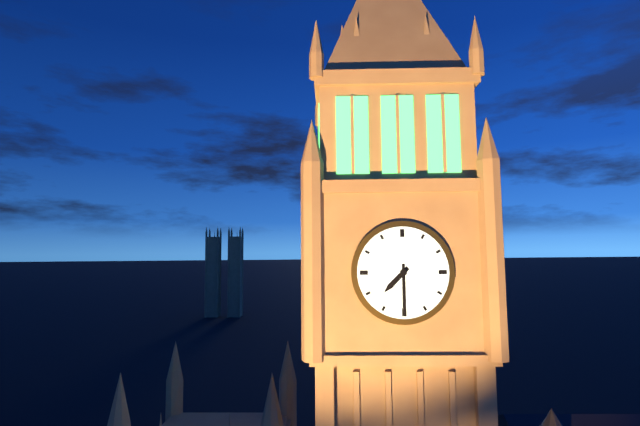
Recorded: 7 h 30 min
